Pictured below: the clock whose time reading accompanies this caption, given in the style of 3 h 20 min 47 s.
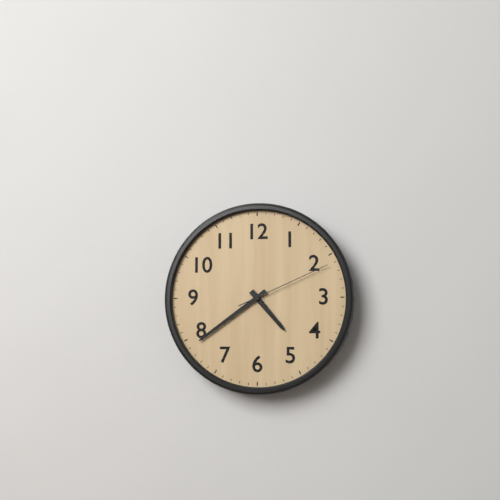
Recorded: 4 h 39 min 11 s
